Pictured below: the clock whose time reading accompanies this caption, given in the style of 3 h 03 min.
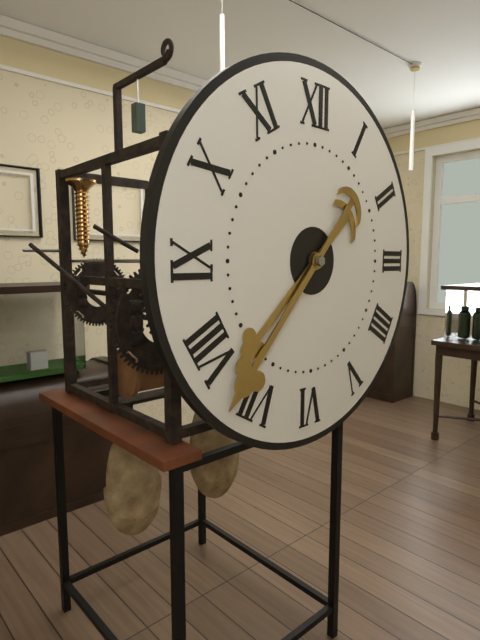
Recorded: 7 h 37 min
